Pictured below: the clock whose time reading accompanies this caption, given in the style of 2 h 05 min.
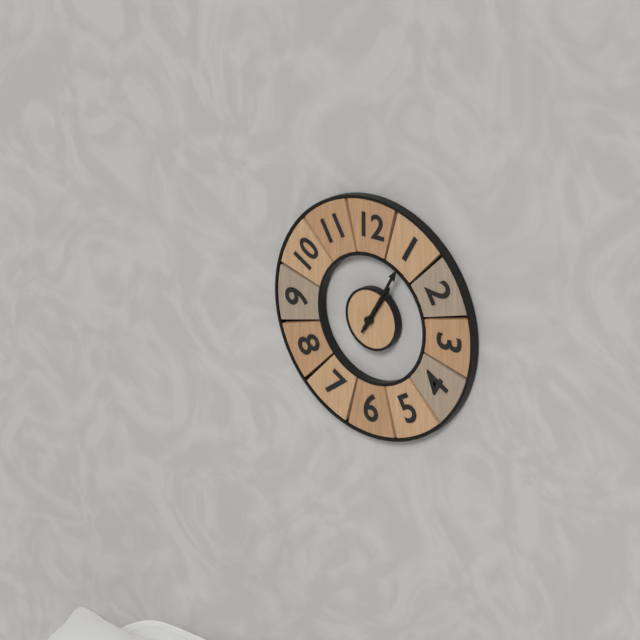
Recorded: 1 h 05 min
